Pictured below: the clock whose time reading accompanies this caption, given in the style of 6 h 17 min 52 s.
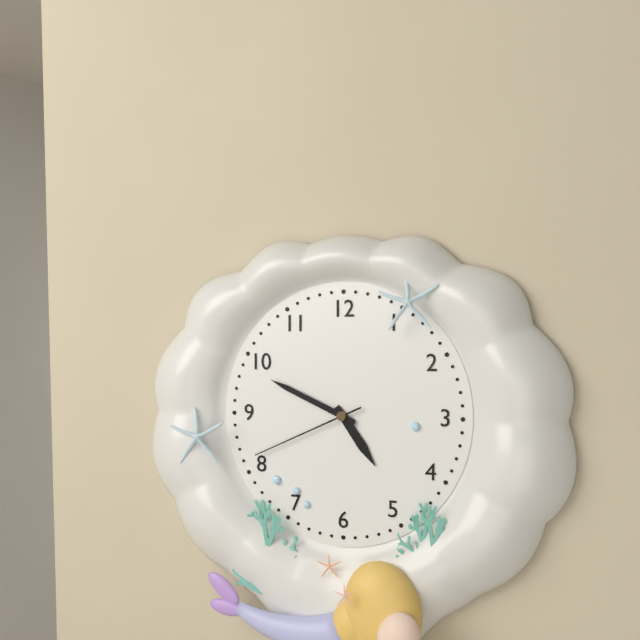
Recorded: 4 h 49 min 41 s
